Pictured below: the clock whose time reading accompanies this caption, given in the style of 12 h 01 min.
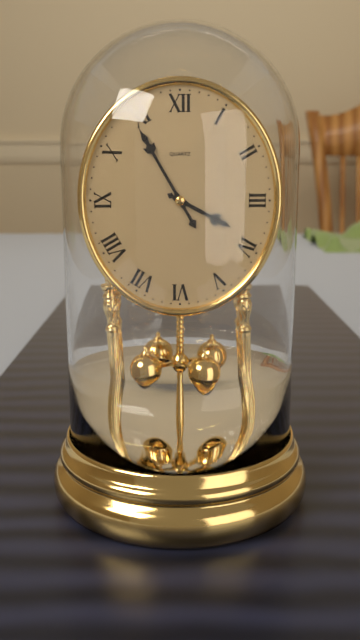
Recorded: 3 h 55 min
